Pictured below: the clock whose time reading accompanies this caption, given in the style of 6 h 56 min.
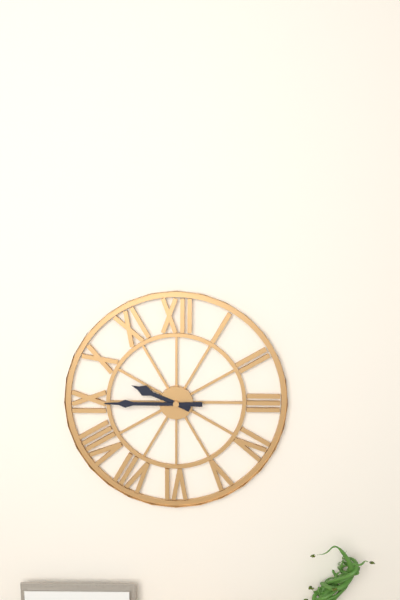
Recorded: 9 h 45 min
